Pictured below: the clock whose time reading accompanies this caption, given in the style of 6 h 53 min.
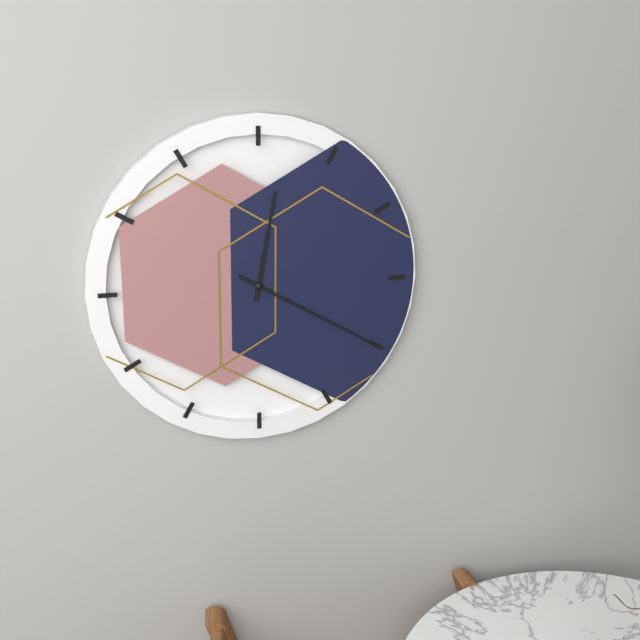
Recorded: 12 h 20 min
